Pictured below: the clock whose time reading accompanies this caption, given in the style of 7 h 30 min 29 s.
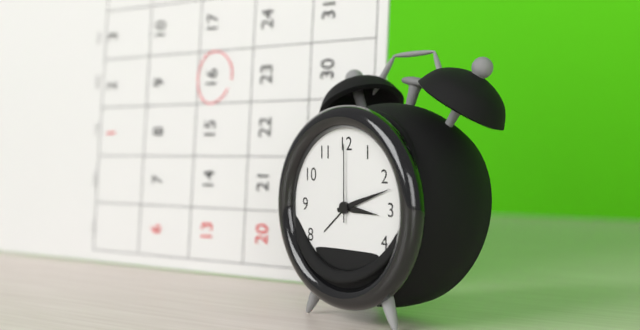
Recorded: 3 h 12 min 00 s
